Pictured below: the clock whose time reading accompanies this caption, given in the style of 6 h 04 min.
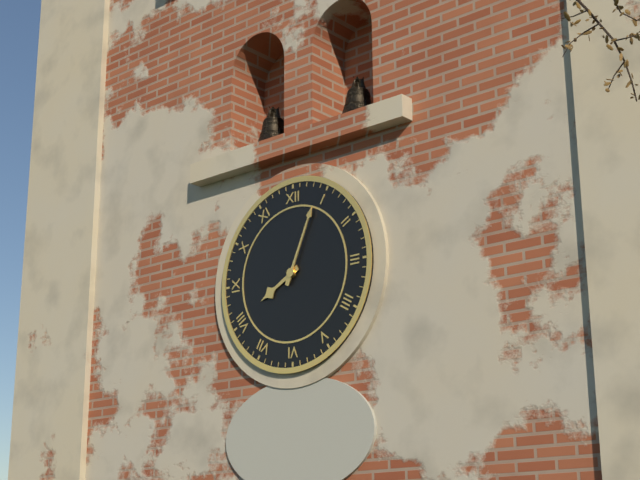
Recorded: 8 h 04 min
